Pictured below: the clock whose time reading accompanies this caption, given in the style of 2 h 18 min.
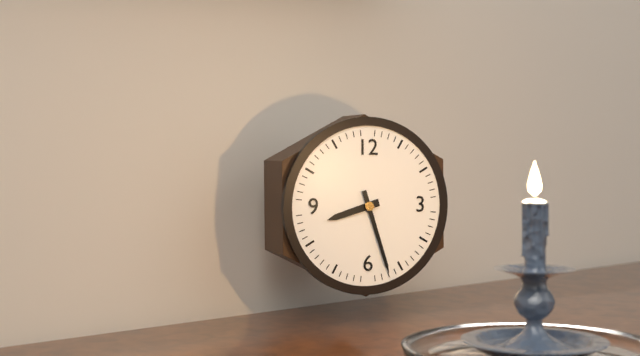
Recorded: 8 h 27 min
